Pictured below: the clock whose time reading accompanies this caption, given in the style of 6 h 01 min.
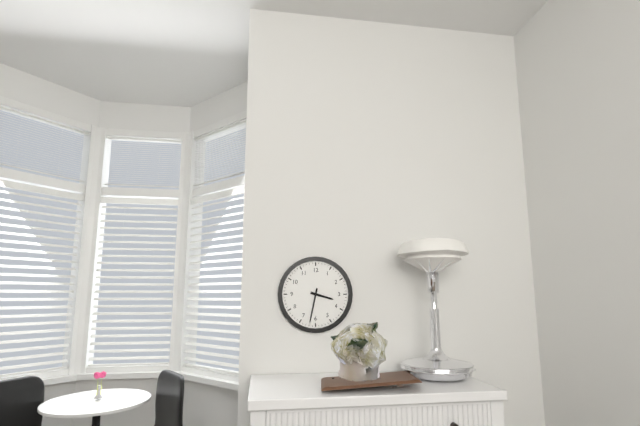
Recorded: 3 h 32 min
